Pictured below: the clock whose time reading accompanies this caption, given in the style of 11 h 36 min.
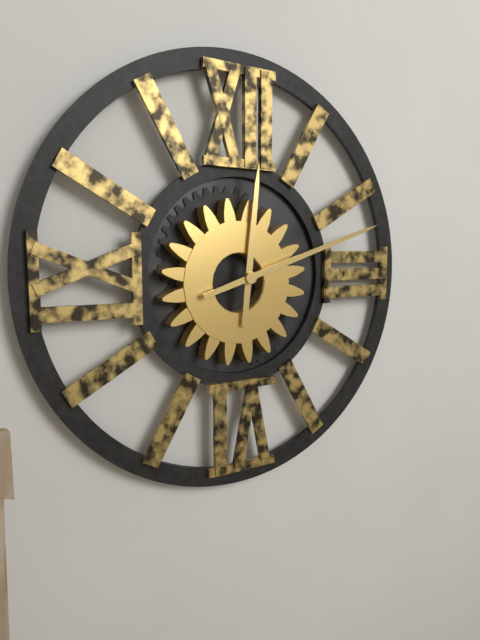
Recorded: 12 h 12 min
